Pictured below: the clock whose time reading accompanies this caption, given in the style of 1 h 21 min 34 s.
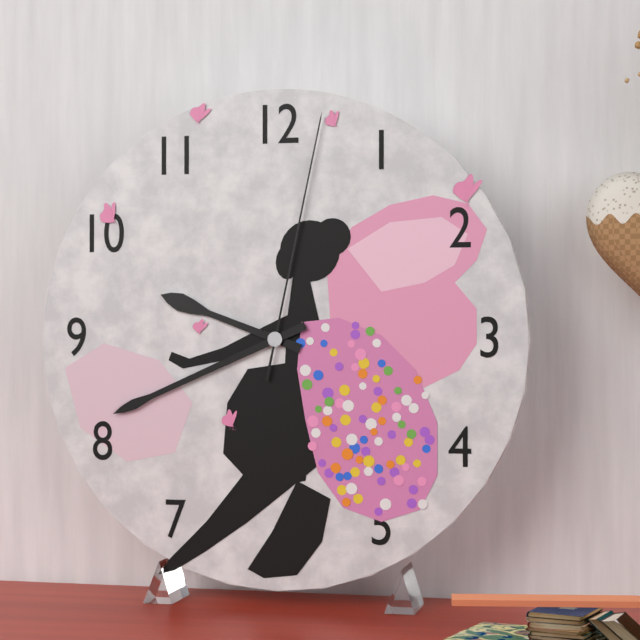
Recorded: 9 h 41 min 02 s
